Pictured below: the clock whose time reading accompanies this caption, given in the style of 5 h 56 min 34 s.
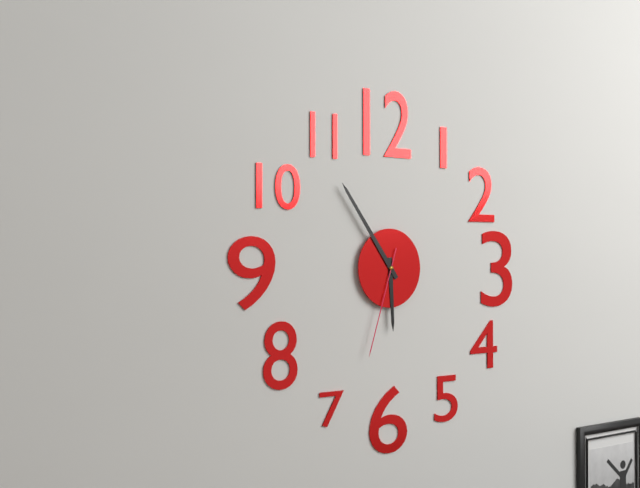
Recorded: 5 h 54 min 33 s
